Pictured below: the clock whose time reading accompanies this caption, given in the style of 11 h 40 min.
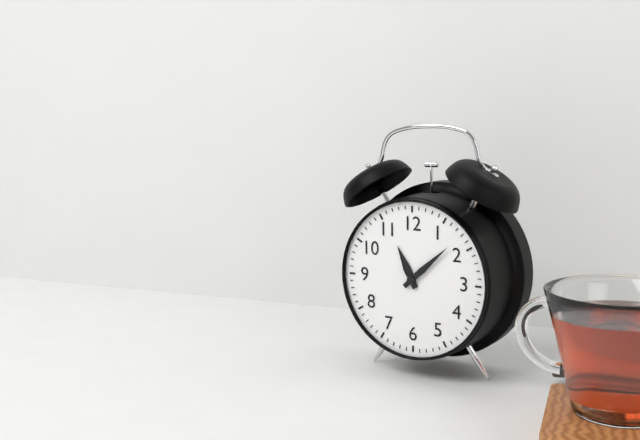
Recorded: 11 h 08 min
